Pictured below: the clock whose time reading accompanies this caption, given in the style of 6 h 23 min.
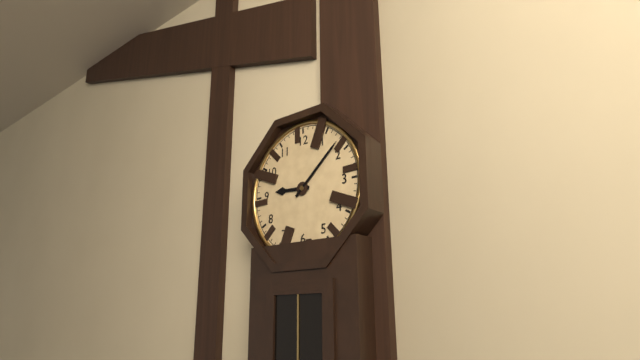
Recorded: 9 h 08 min
